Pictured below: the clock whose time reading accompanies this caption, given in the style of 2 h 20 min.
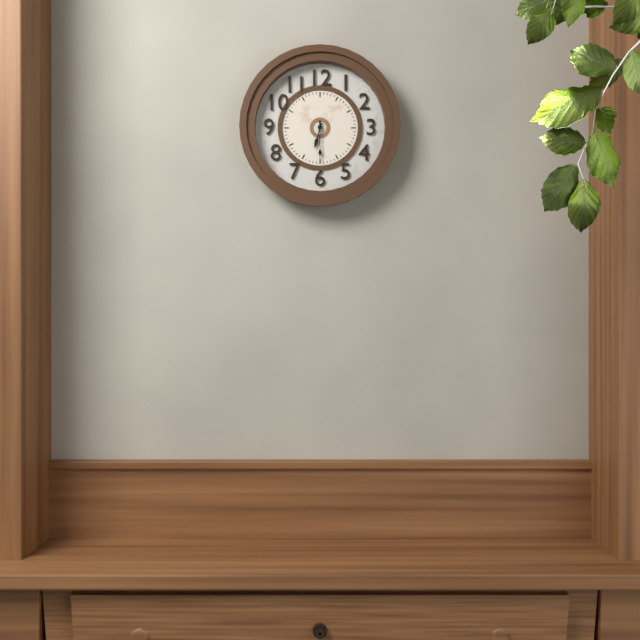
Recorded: 6 h 30 min
